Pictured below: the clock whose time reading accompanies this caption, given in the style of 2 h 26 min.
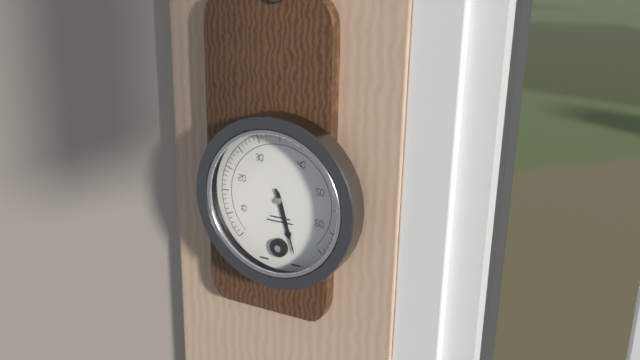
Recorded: 5 h 27 min
